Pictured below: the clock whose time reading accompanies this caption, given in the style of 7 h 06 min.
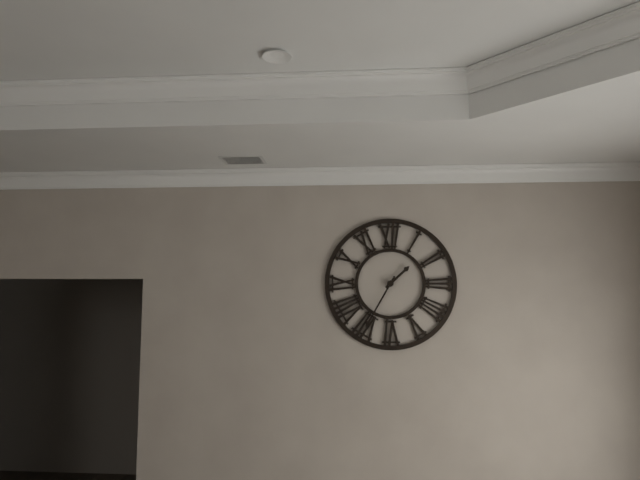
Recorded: 1 h 35 min
